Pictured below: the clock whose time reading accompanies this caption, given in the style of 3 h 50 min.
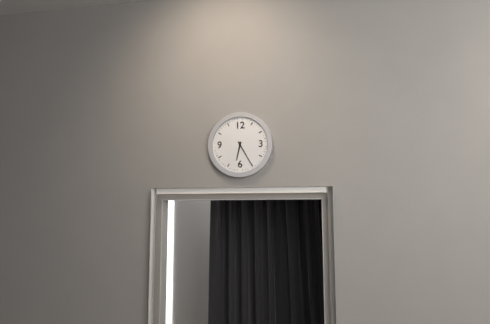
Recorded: 6 h 25 min
